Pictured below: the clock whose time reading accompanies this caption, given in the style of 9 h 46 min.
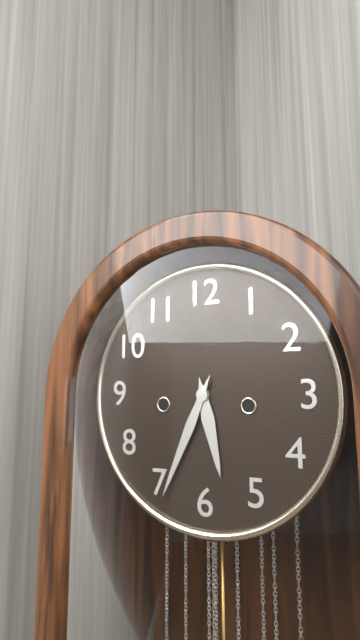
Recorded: 5 h 34 min
